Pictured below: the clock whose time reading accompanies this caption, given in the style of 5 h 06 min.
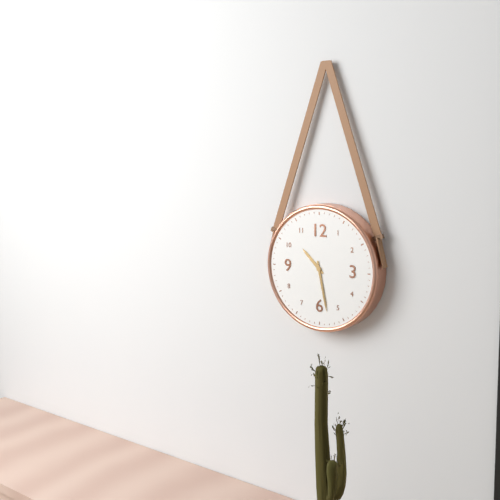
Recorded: 10 h 28 min
